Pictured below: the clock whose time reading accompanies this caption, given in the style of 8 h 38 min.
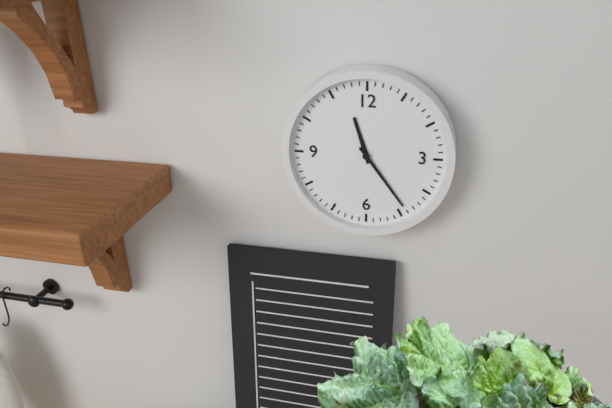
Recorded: 11 h 24 min
